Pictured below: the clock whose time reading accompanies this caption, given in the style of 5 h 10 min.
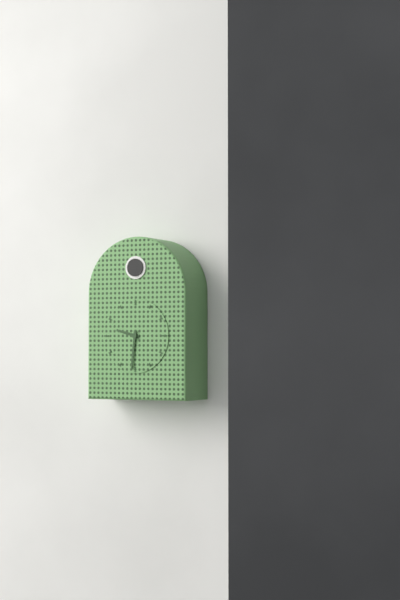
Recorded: 9 h 31 min
